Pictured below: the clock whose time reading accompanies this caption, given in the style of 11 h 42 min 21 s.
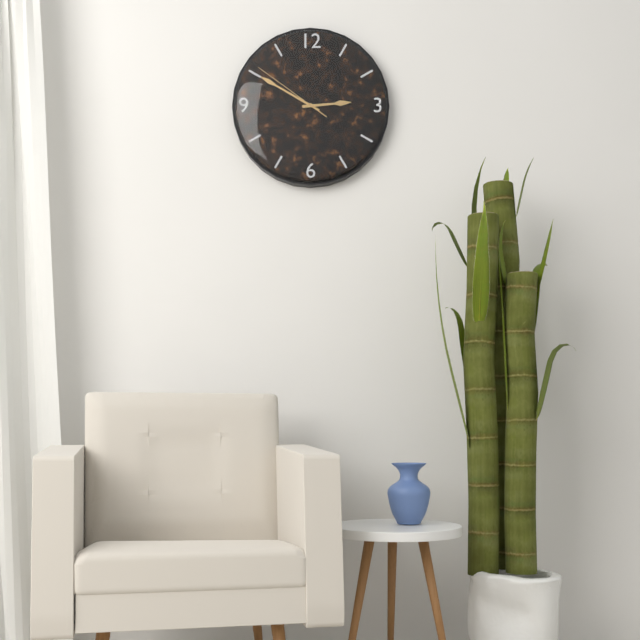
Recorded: 2 h 50 min 51 s
